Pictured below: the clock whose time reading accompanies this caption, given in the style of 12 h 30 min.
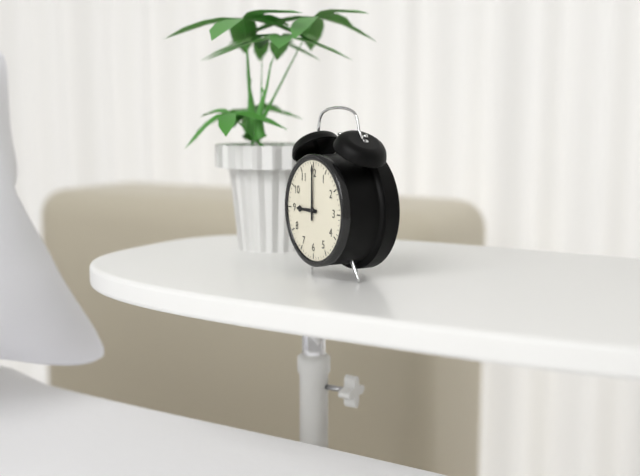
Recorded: 9 h 00 min
